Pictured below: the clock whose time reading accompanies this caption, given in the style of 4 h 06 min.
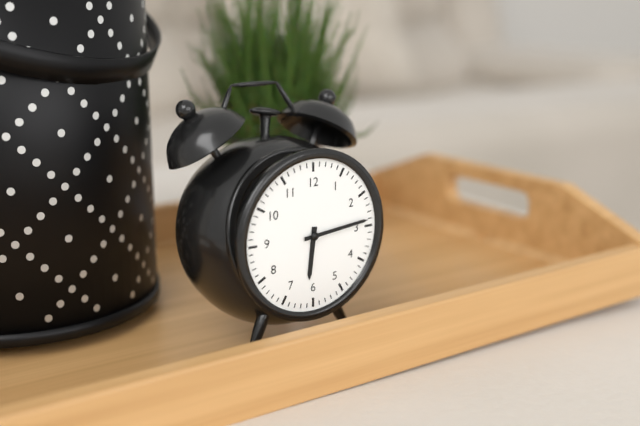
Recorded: 6 h 14 min
